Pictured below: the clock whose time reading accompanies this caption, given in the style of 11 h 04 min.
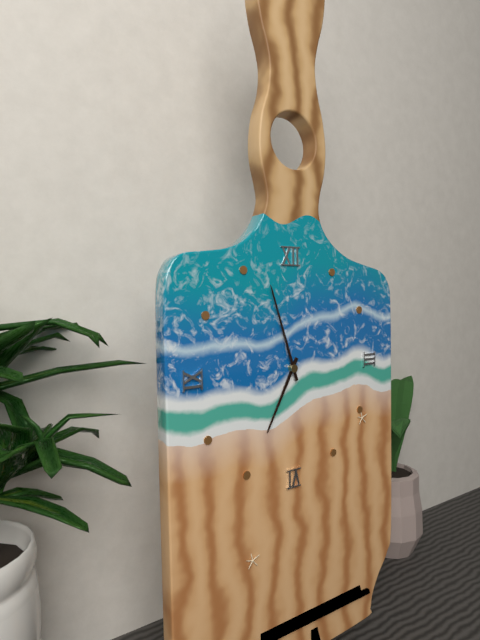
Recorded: 6 h 57 min
